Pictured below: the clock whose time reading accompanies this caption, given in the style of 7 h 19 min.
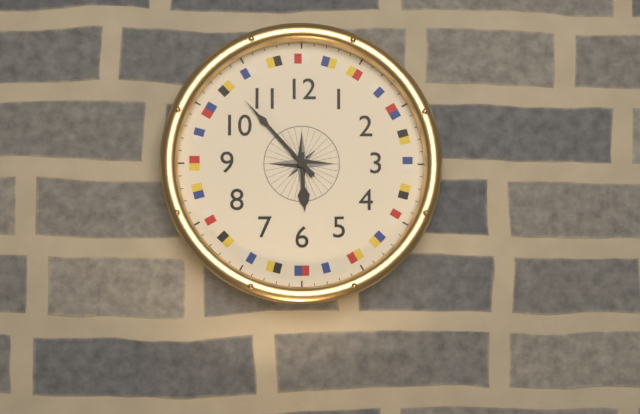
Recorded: 5 h 53 min
